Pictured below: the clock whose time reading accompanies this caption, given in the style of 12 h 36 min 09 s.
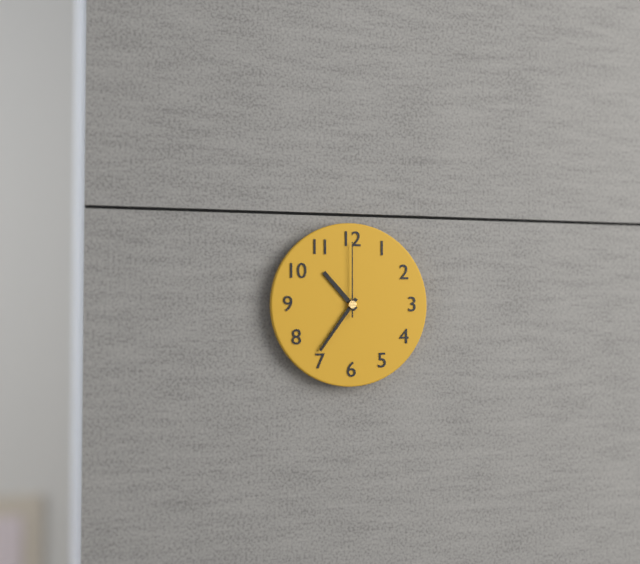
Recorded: 10 h 36 min 00 s
